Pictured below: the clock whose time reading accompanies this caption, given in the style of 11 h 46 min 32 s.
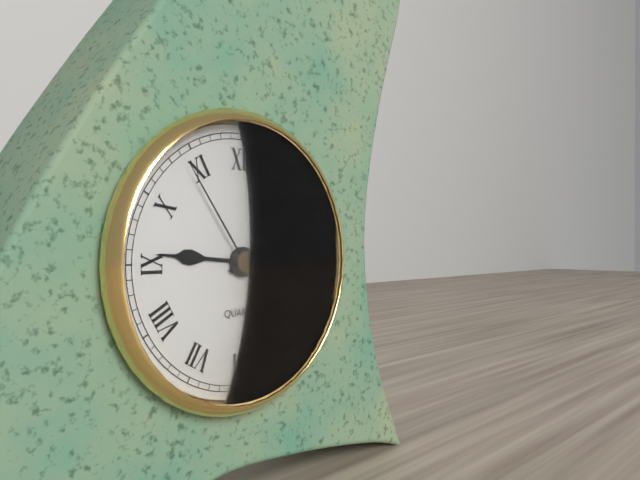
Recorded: 9 h 10 min 54 s
